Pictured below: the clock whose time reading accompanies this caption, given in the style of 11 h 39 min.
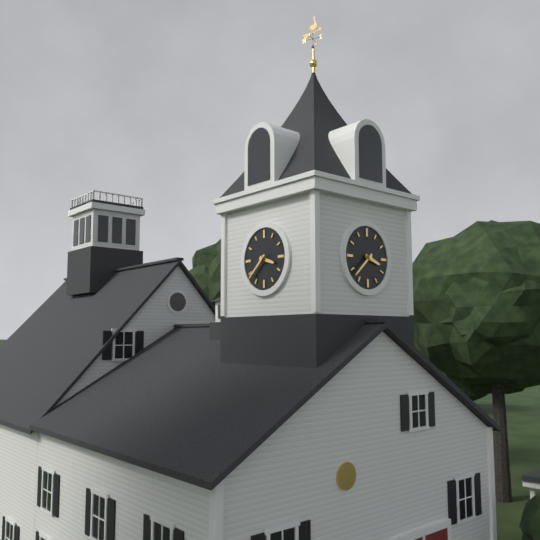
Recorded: 3 h 38 min
